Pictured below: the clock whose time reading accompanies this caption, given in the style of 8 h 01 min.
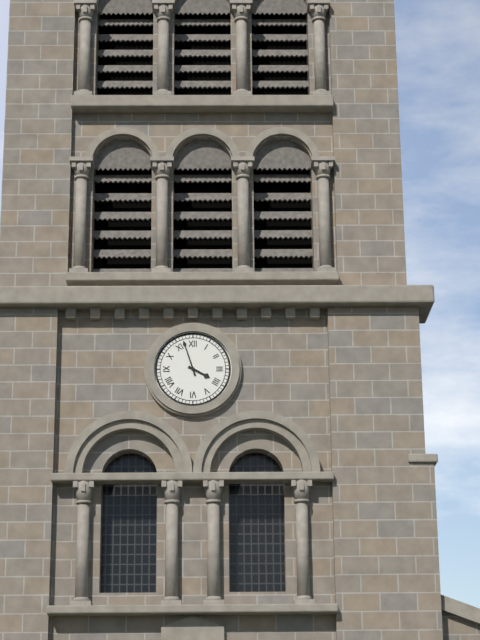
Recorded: 3 h 57 min
